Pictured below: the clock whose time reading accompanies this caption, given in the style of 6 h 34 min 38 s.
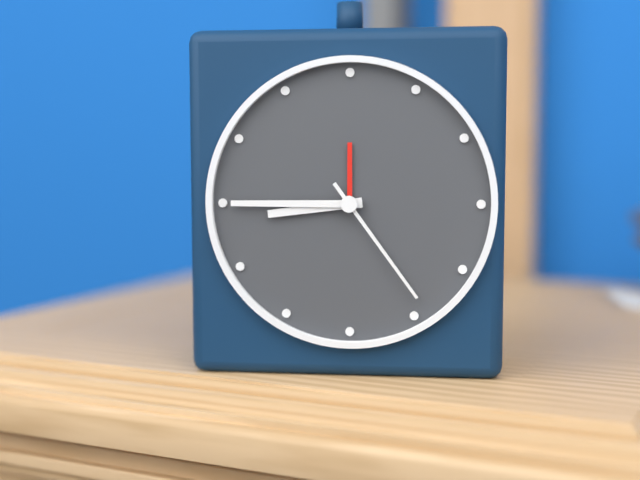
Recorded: 8 h 45 min 24 s
